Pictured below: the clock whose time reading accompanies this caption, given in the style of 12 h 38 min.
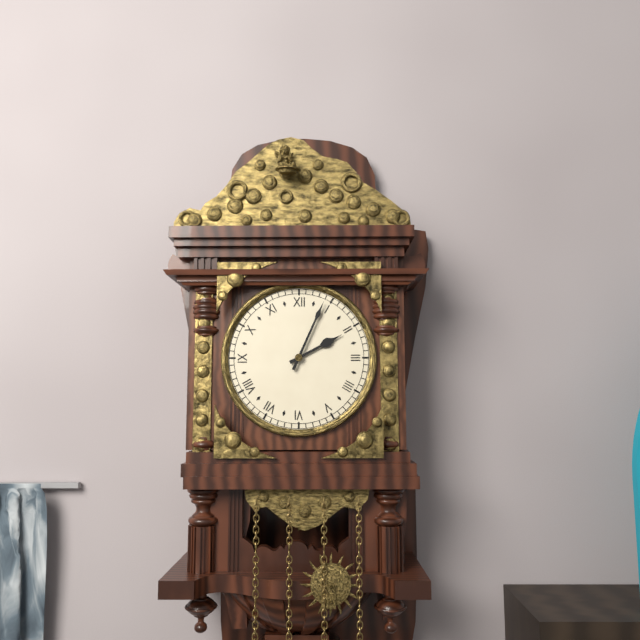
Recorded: 2 h 04 min
